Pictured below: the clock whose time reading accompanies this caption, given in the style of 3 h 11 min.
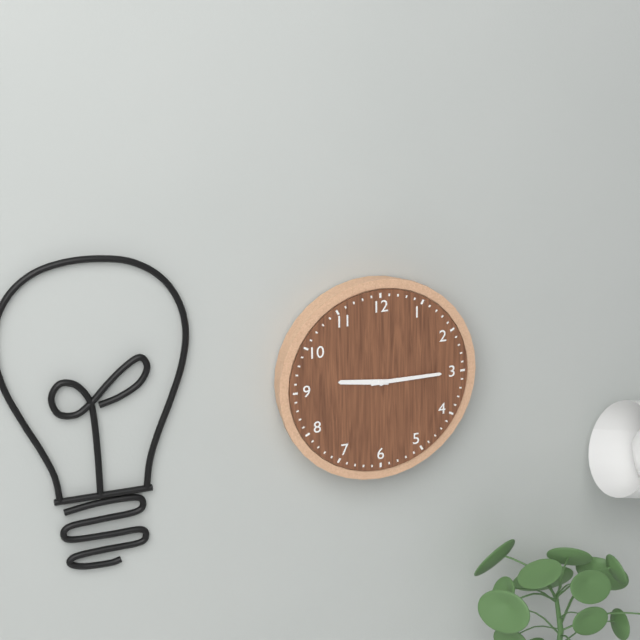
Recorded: 9 h 15 min
